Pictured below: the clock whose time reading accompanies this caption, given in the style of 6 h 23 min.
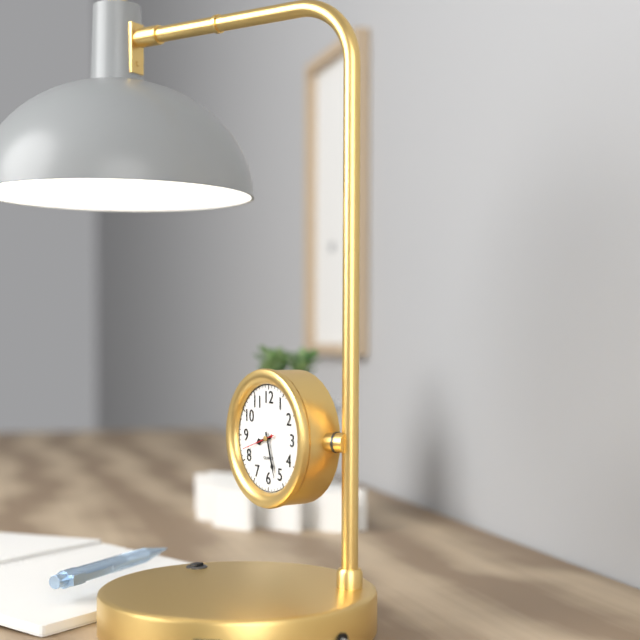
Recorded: 8 h 27 min
